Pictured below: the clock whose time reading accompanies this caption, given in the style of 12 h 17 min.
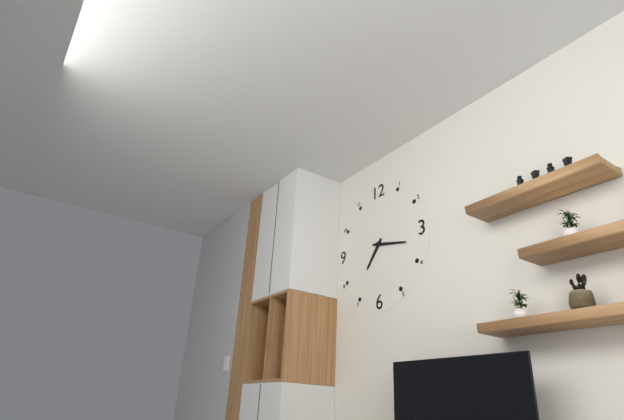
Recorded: 7 h 17 min
